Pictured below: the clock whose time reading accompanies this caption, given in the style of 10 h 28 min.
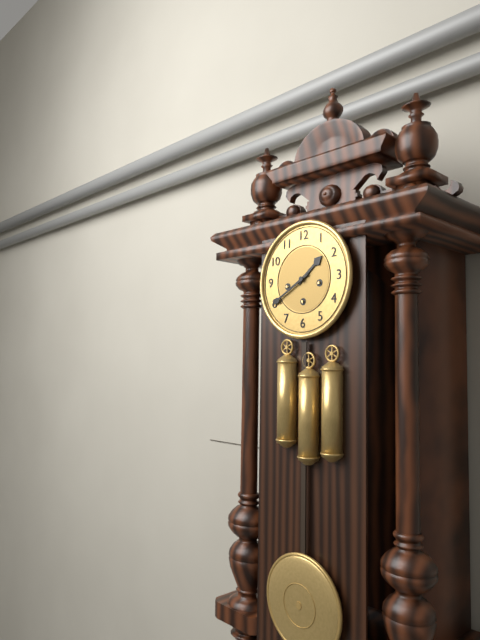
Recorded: 1 h 40 min
